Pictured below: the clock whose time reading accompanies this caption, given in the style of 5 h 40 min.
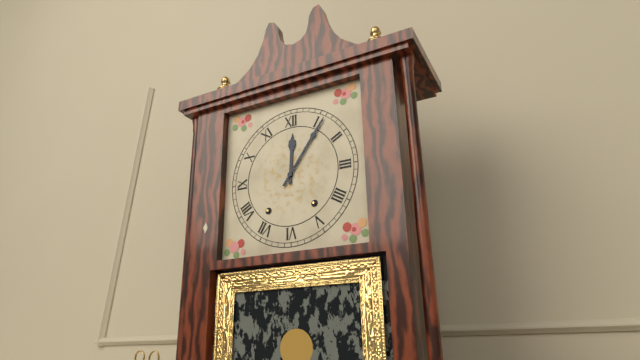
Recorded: 12 h 06 min
